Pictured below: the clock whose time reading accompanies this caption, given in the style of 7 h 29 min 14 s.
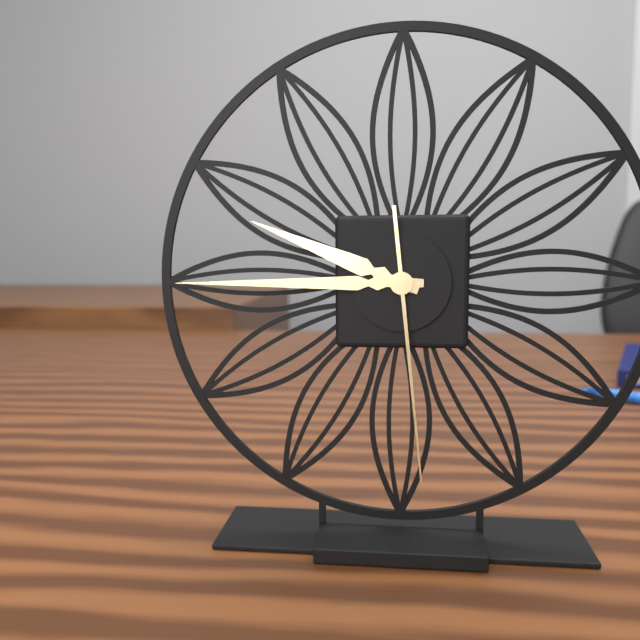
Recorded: 9 h 45 min 29 s
